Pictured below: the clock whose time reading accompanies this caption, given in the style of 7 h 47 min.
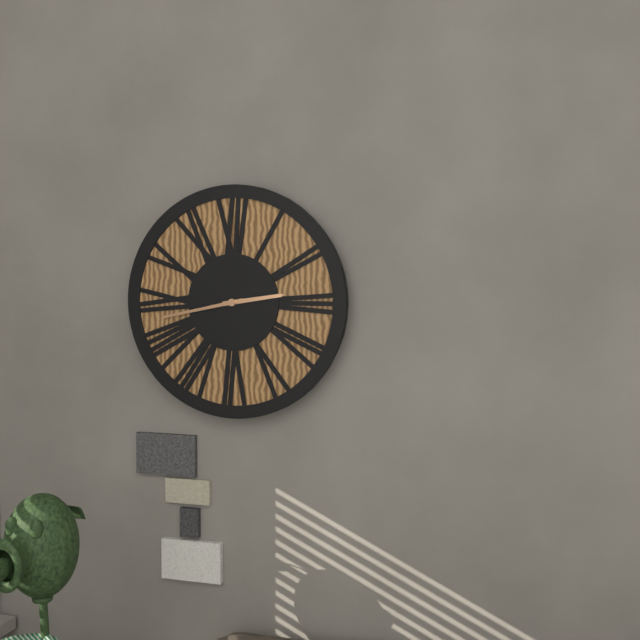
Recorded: 2 h 43 min
